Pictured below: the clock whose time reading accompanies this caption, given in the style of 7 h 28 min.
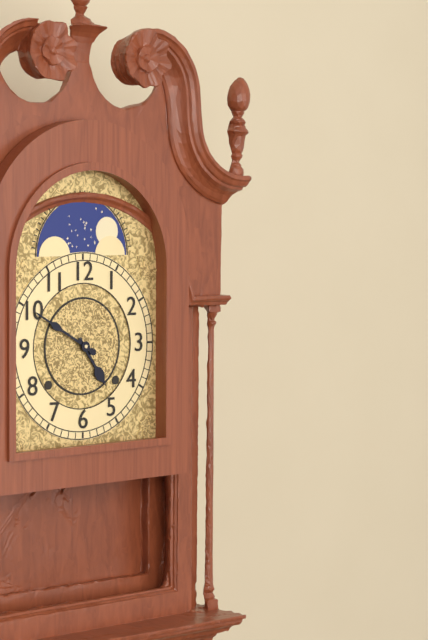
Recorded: 4 h 50 min
